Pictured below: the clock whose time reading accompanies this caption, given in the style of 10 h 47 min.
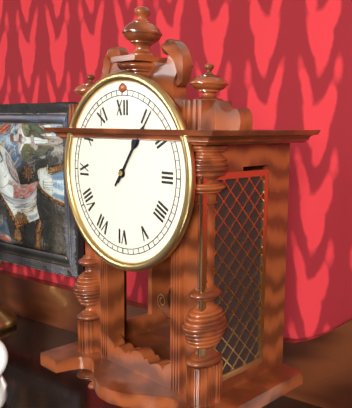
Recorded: 1 h 06 min
